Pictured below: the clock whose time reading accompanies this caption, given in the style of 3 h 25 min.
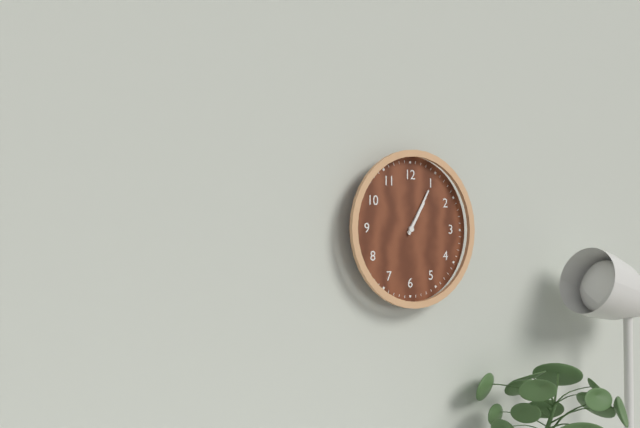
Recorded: 1 h 05 min
